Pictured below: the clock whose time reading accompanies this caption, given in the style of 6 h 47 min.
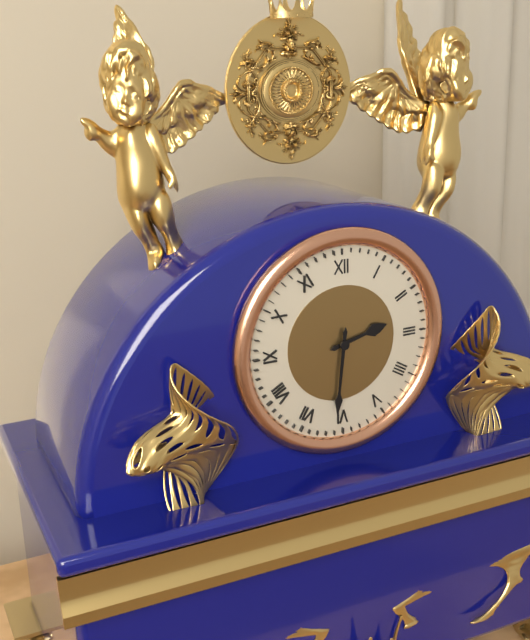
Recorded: 2 h 31 min
